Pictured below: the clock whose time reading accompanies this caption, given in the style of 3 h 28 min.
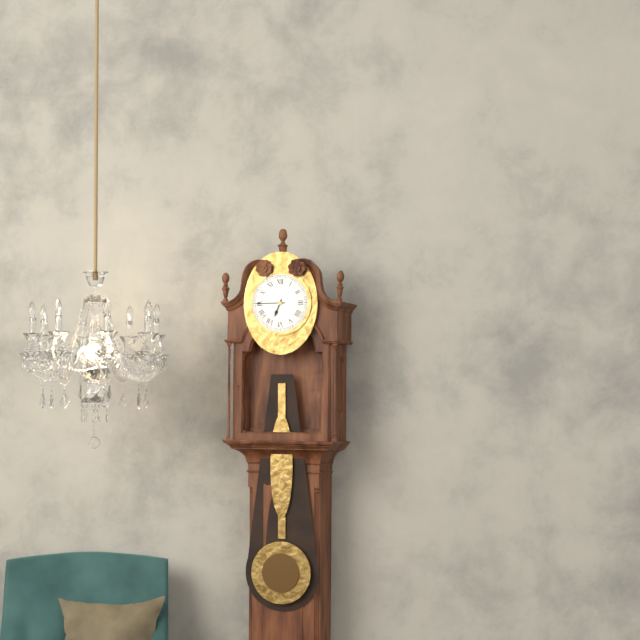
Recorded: 6 h 45 min
